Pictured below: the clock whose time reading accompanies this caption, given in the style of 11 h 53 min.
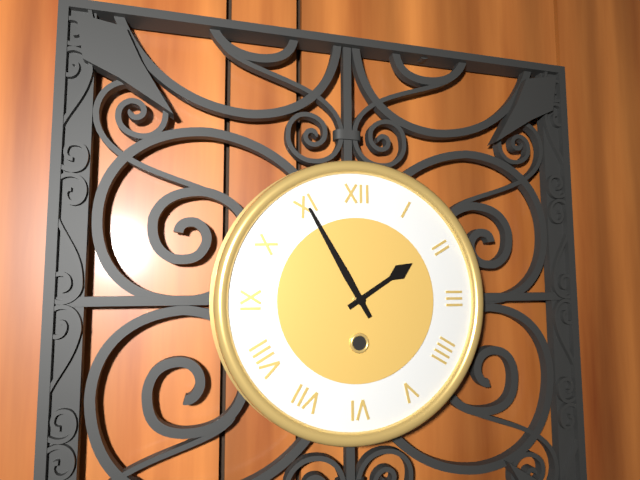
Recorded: 1 h 55 min
